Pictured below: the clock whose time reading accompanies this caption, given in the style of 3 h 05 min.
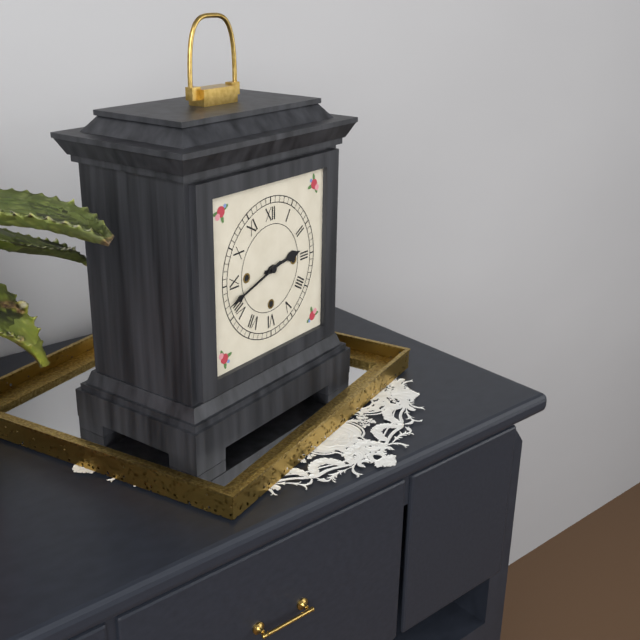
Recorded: 2 h 42 min
